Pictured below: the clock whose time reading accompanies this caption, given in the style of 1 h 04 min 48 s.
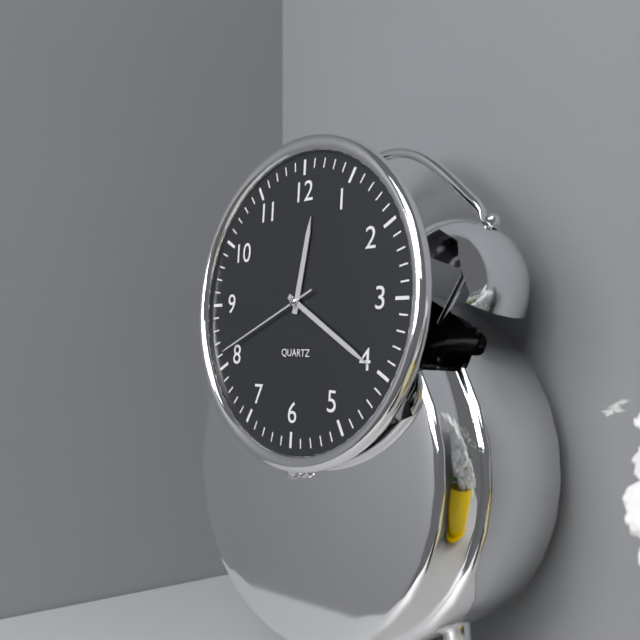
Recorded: 12 h 20 min 41 s
